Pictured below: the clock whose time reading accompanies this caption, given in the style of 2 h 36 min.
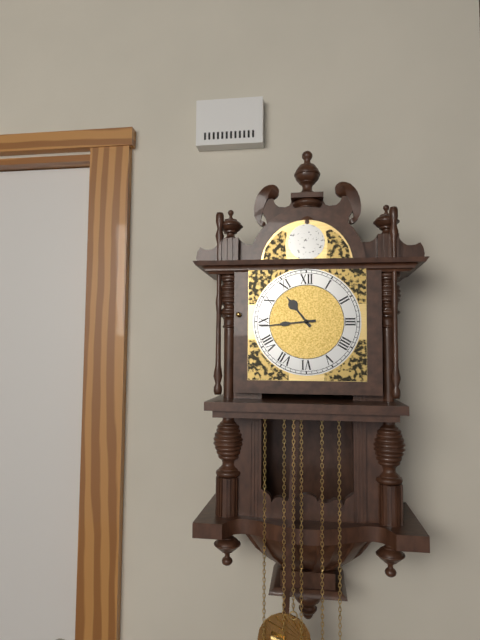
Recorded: 10 h 44 min
